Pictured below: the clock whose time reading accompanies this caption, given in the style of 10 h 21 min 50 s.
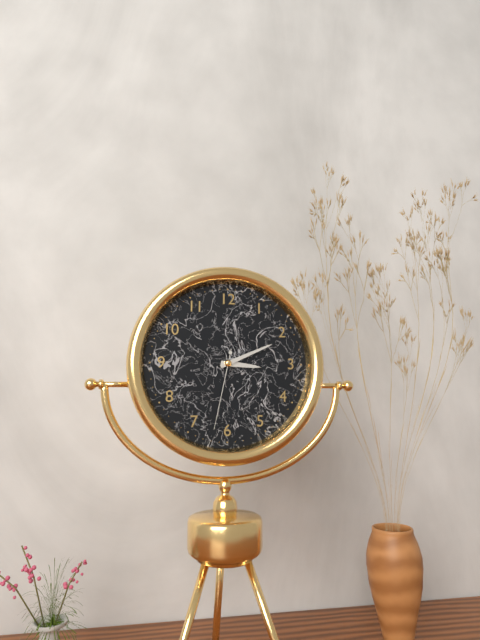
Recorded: 3 h 11 min 32 s
